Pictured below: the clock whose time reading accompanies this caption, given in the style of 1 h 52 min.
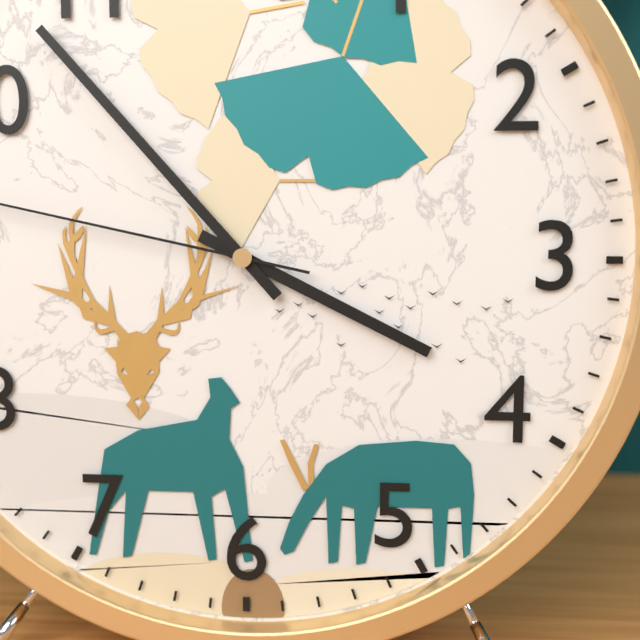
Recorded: 3 h 53 min
